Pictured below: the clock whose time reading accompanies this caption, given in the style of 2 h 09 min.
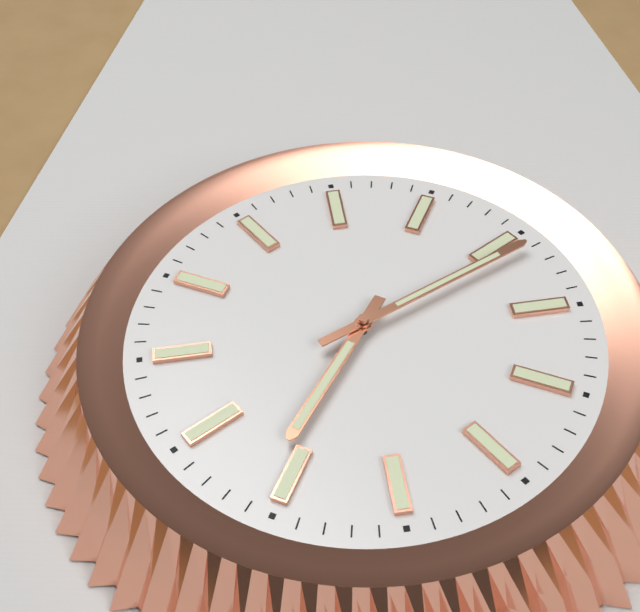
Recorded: 7 h 11 min
